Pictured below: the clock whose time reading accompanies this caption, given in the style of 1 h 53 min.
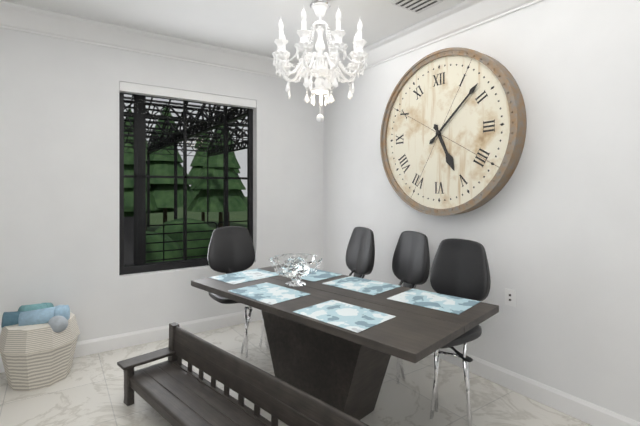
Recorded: 5 h 08 min
